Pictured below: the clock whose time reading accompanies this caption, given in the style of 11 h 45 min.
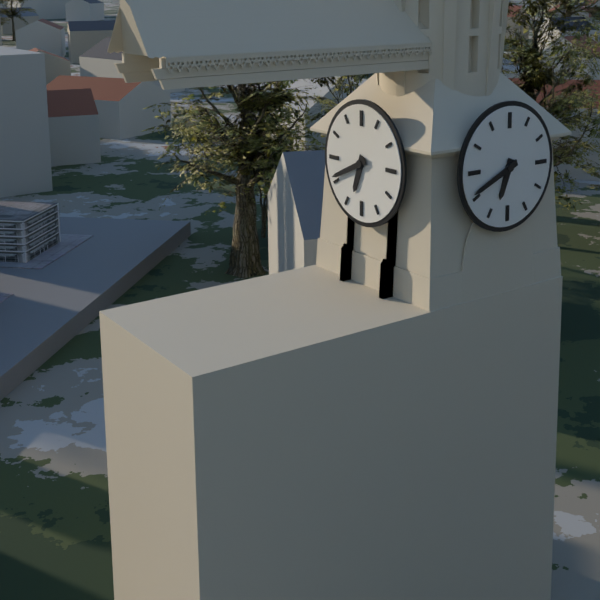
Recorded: 6 h 41 min
